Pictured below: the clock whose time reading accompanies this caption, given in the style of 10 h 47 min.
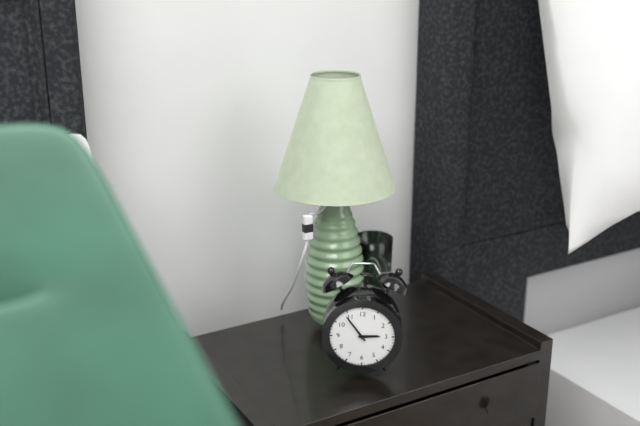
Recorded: 2 h 54 min
